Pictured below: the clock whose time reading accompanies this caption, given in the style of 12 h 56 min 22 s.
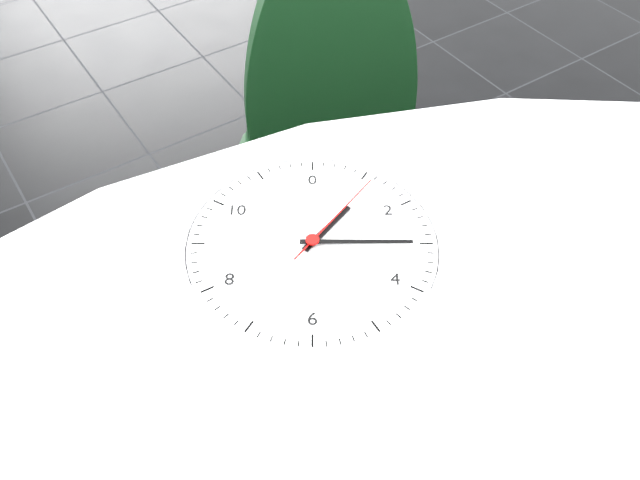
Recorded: 1 h 15 min 06 s
